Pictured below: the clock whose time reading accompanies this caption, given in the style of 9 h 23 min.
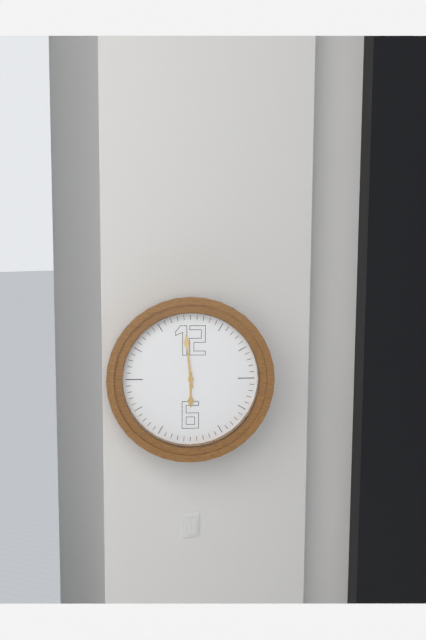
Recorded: 5 h 59 min
